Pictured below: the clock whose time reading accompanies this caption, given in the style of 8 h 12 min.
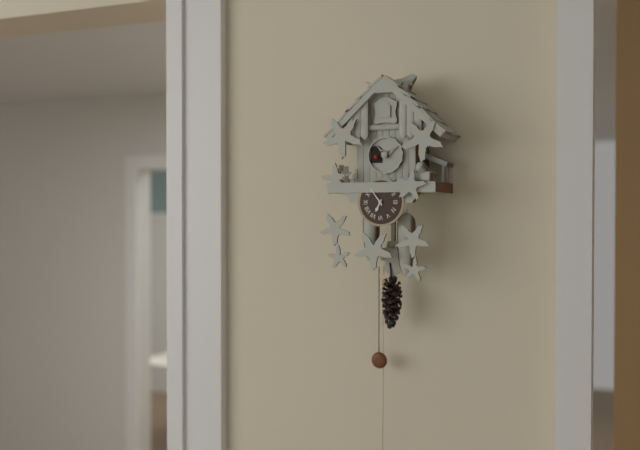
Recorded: 6 h 54 min
